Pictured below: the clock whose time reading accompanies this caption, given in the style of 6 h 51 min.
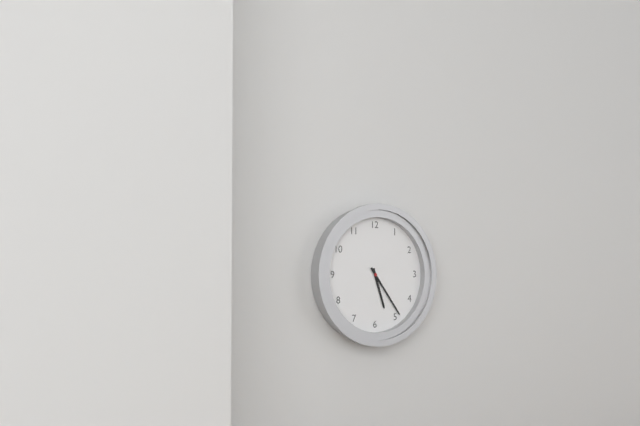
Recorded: 5 h 24 min
